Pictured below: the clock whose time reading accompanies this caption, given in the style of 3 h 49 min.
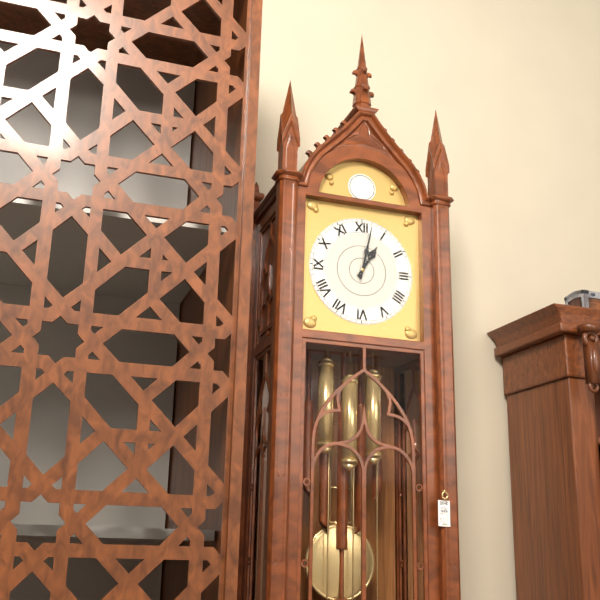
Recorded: 1 h 02 min
